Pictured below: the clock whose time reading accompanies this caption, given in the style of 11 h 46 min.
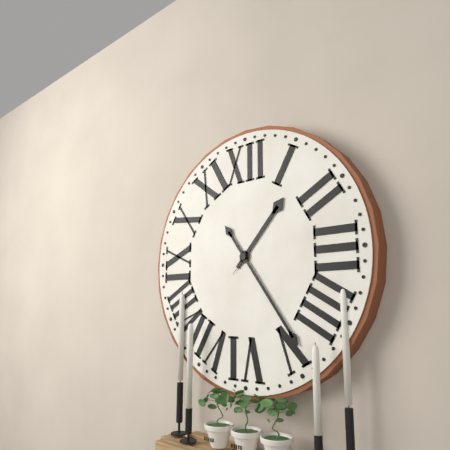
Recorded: 1 h 24 min
